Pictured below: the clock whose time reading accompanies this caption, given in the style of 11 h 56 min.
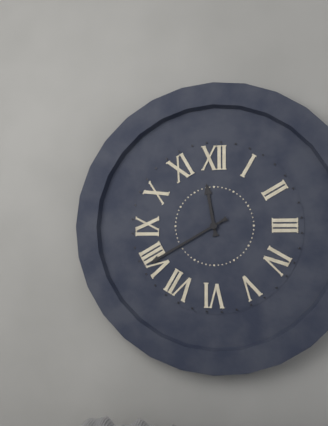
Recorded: 11 h 40 min
